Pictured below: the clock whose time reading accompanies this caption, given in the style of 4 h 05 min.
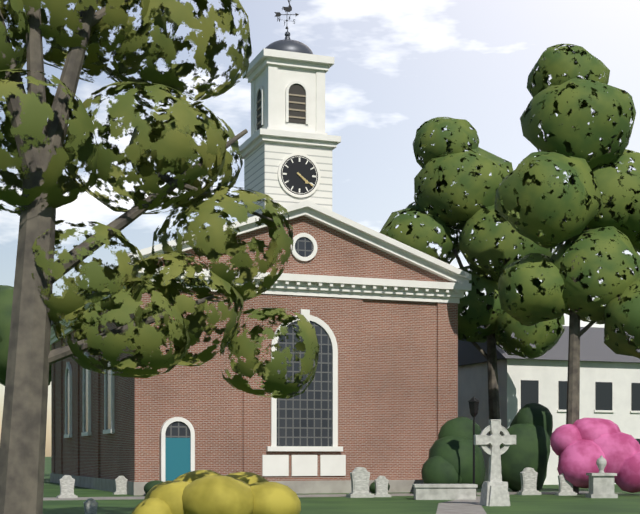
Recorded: 4 h 21 min
